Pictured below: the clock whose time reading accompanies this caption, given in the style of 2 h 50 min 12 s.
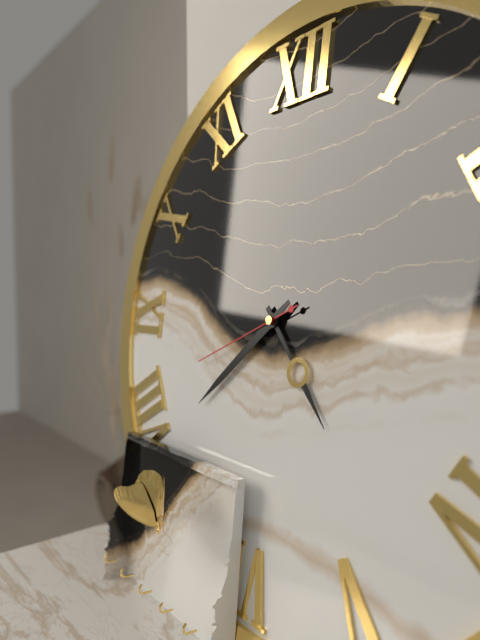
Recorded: 4 h 38 min 41 s
